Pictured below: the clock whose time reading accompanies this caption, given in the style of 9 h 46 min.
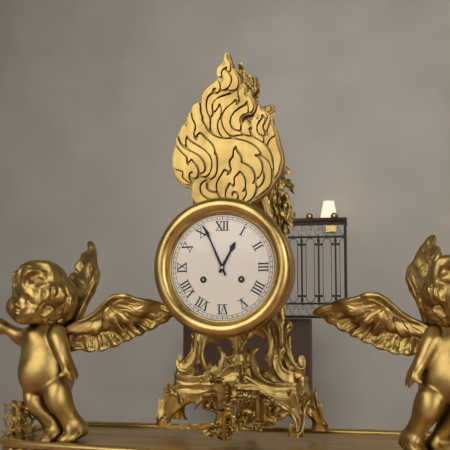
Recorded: 12 h 56 min
